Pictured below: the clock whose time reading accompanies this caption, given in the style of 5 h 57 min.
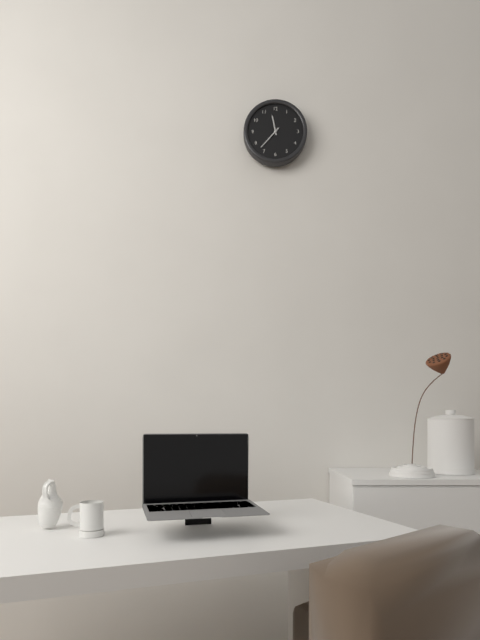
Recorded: 11 h 37 min
